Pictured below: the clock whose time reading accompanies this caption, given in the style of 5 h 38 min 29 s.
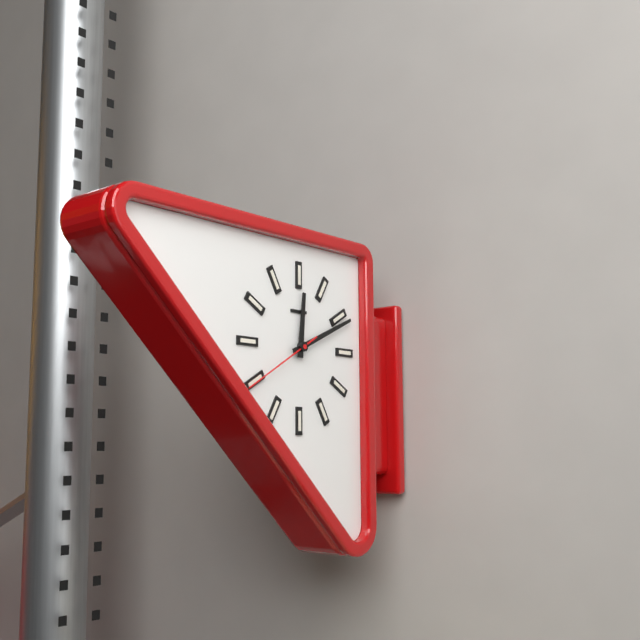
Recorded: 12 h 11 min 40 s
